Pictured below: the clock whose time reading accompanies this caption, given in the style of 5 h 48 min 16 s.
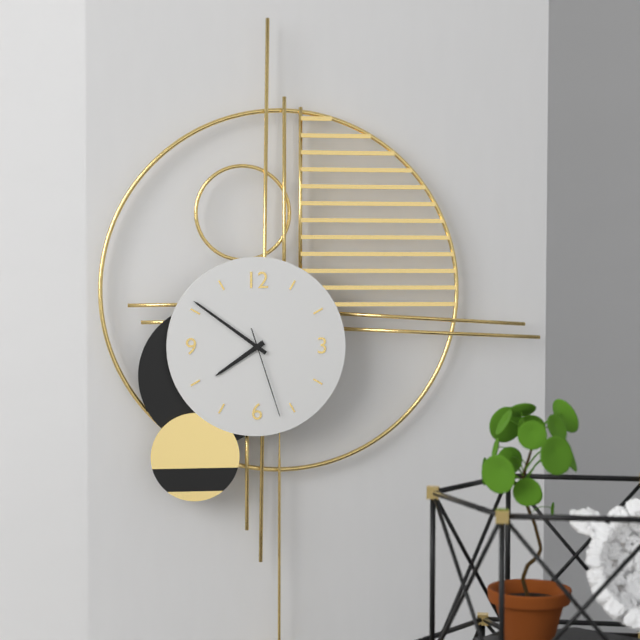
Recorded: 7 h 51 min 27 s
